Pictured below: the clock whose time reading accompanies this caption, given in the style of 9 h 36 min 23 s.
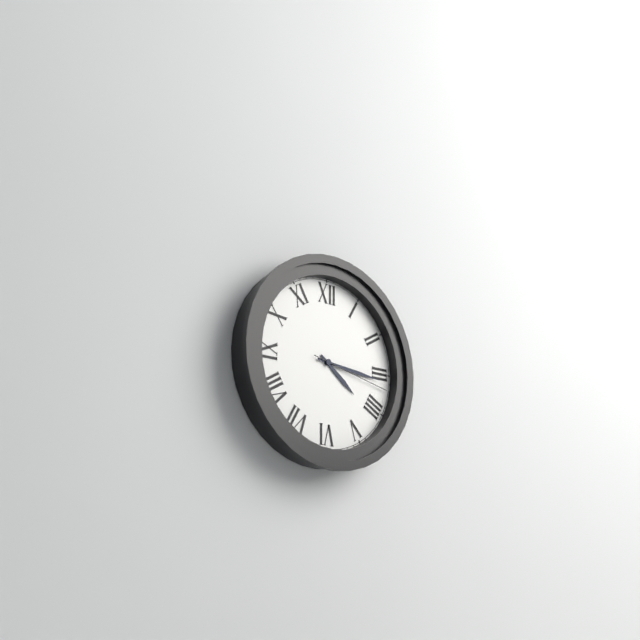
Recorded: 4 h 16 min 17 s
